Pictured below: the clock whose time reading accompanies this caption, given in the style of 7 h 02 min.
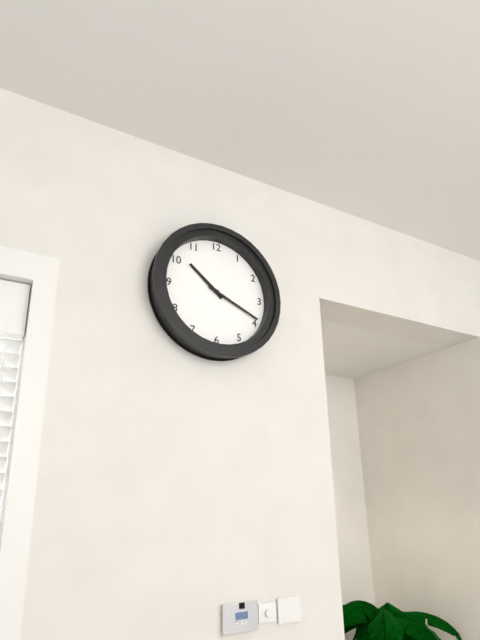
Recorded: 10 h 19 min
